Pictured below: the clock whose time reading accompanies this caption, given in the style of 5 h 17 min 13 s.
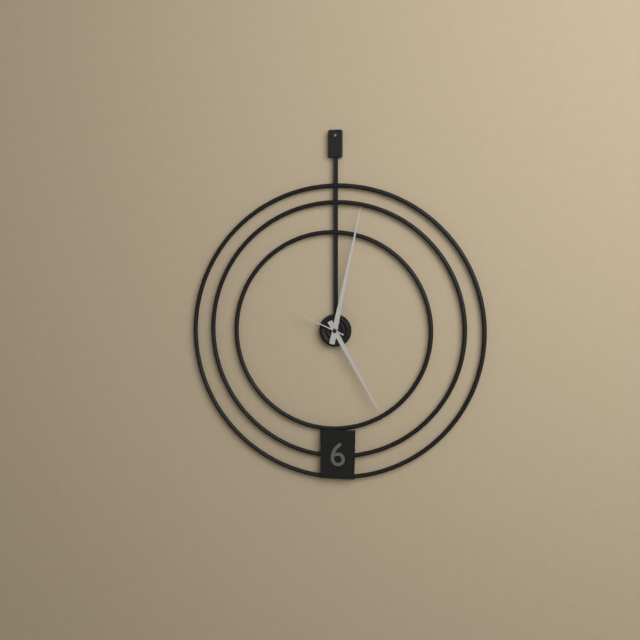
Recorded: 5 h 02 min 49 s
